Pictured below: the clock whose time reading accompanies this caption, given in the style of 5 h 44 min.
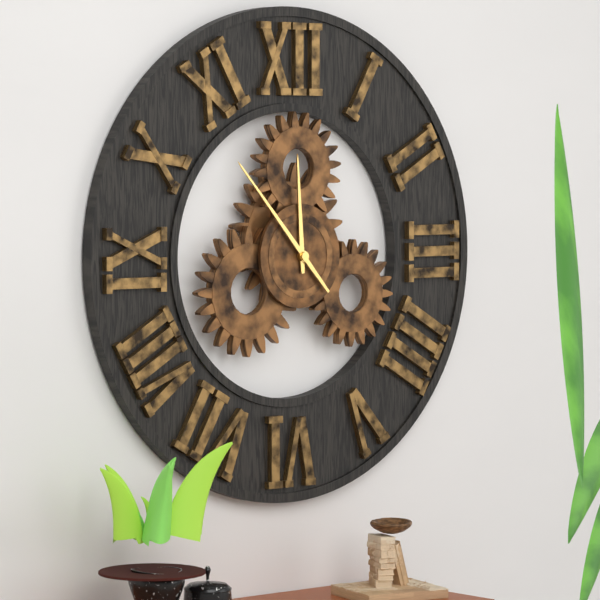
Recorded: 11 h 53 min
